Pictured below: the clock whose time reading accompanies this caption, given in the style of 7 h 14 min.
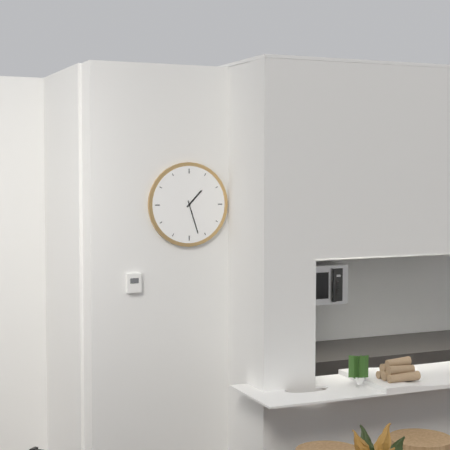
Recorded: 1 h 27 min
